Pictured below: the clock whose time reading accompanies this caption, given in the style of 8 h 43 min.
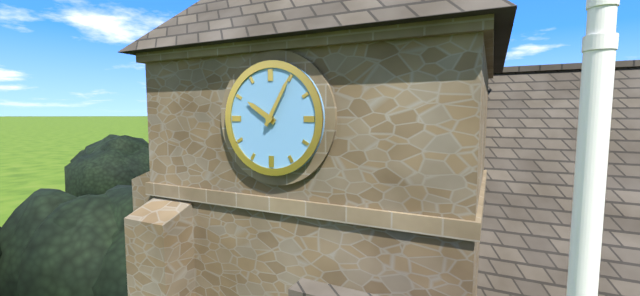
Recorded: 10 h 05 min
